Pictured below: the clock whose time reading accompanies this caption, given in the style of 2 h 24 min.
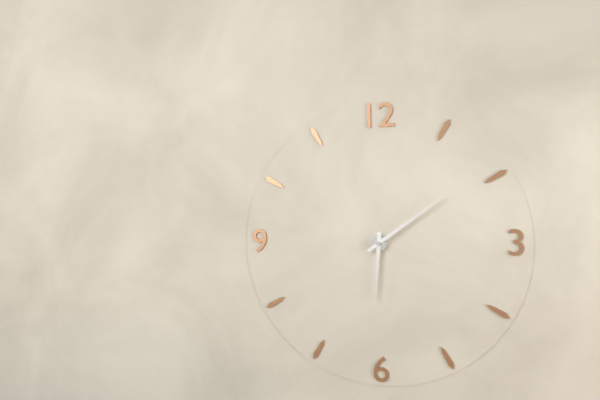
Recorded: 6 h 09 min
